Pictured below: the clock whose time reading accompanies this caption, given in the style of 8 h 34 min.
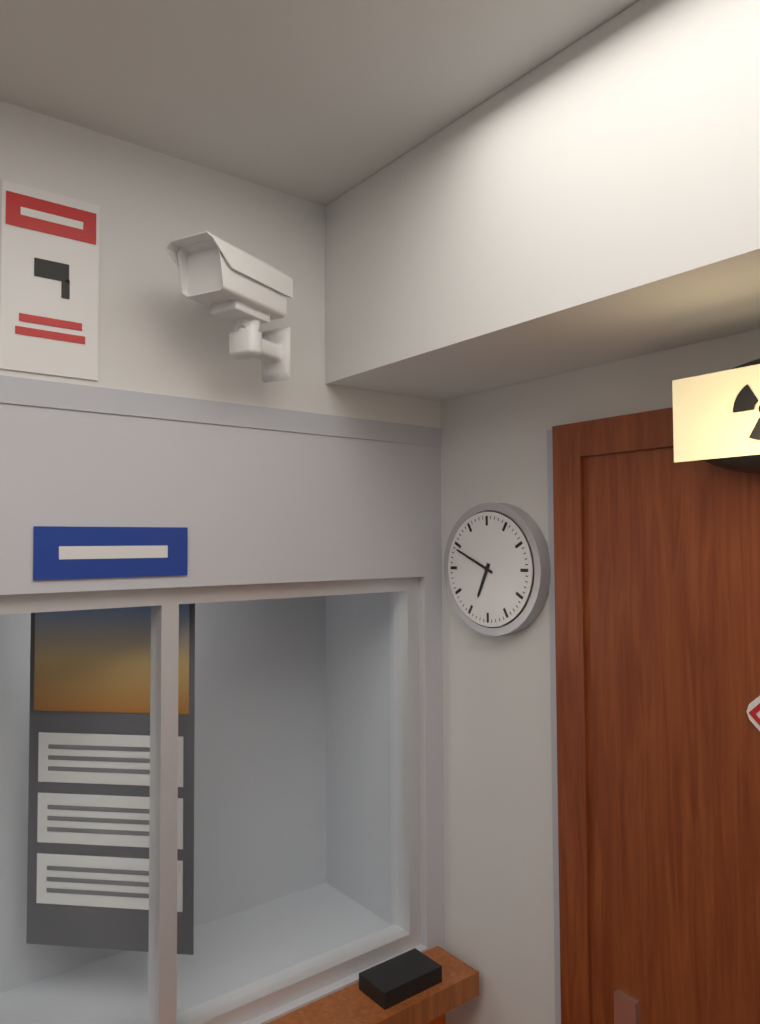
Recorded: 6 h 49 min
